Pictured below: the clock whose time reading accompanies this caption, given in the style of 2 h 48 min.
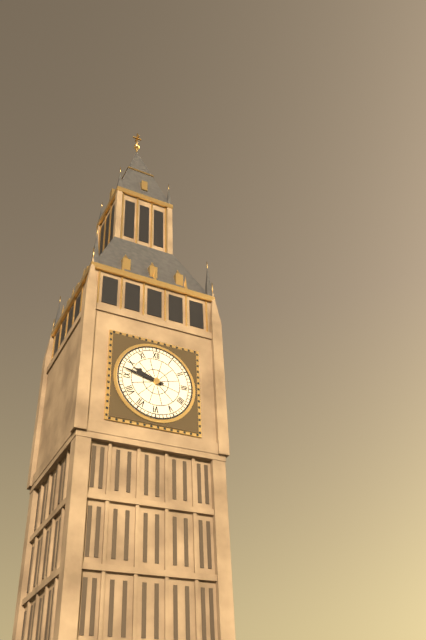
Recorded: 9 h 47 min
